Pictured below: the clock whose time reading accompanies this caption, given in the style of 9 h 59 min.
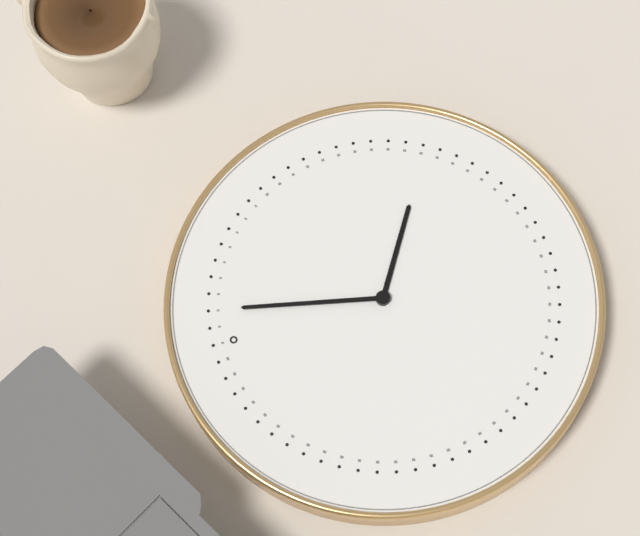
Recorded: 4 h 02 min
